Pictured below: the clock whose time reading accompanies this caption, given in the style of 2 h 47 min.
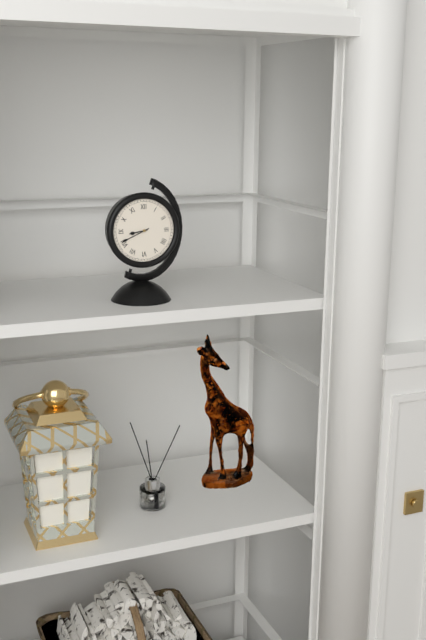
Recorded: 8 h 41 min
